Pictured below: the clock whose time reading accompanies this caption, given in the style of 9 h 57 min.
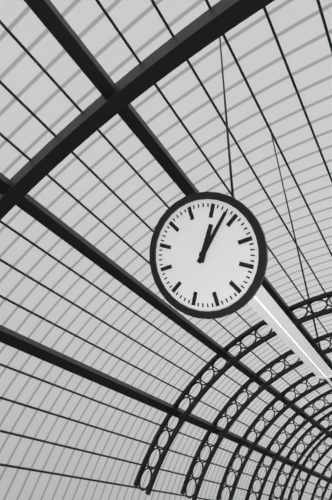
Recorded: 1 h 08 min
